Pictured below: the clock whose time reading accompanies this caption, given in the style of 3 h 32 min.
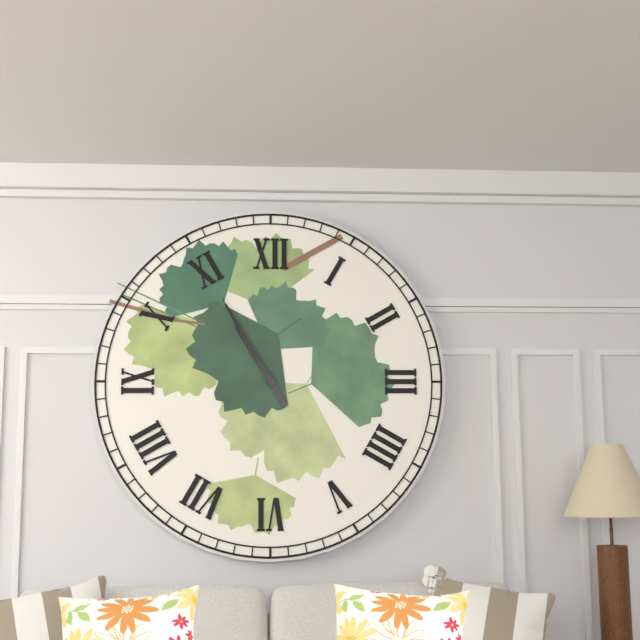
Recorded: 10 h 55 min
